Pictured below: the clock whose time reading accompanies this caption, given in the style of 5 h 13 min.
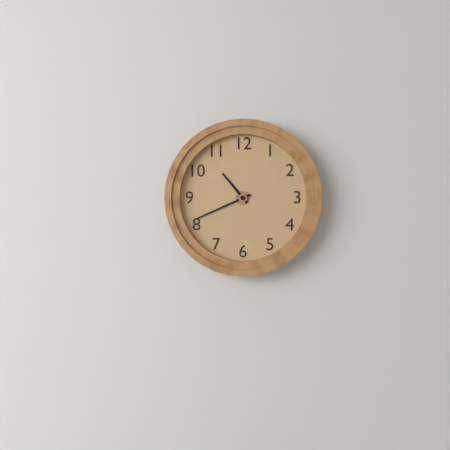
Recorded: 10 h 41 min
